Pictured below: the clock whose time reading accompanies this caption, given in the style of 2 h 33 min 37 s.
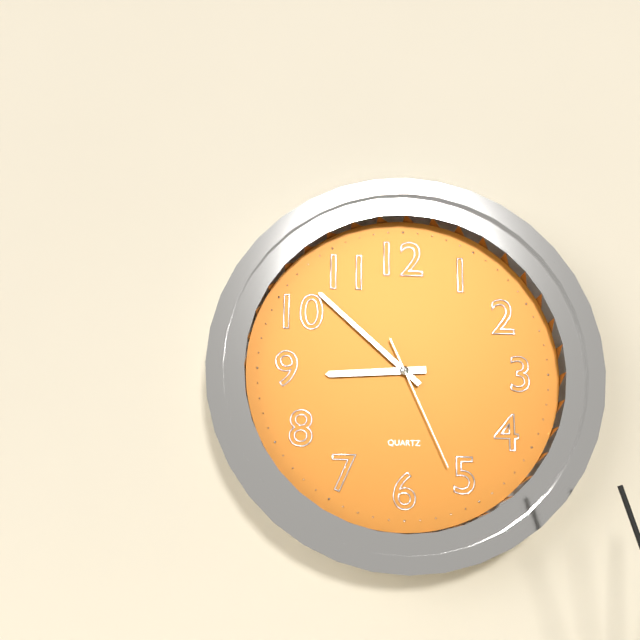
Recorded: 8 h 52 min 26 s
